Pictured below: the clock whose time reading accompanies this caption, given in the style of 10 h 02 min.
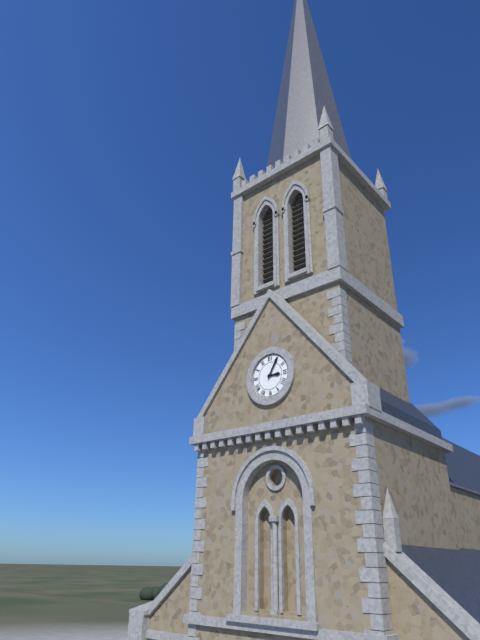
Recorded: 3 h 05 min
